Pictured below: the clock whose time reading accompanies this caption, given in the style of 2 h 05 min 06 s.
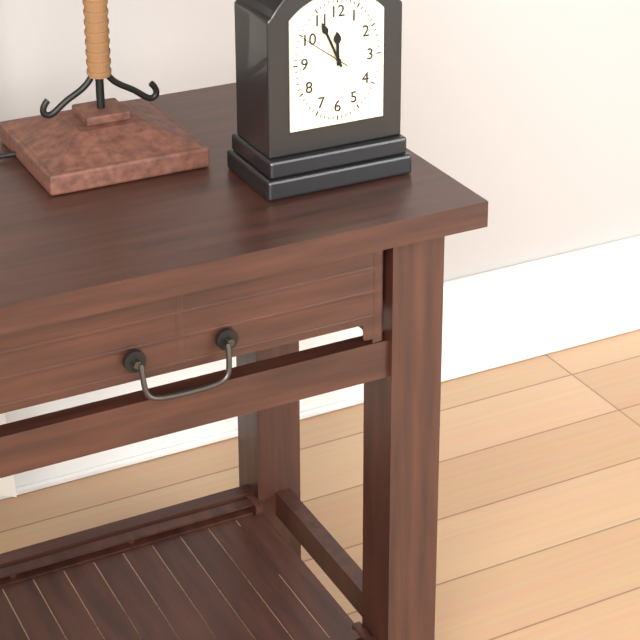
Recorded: 11 h 56 min 51 s
